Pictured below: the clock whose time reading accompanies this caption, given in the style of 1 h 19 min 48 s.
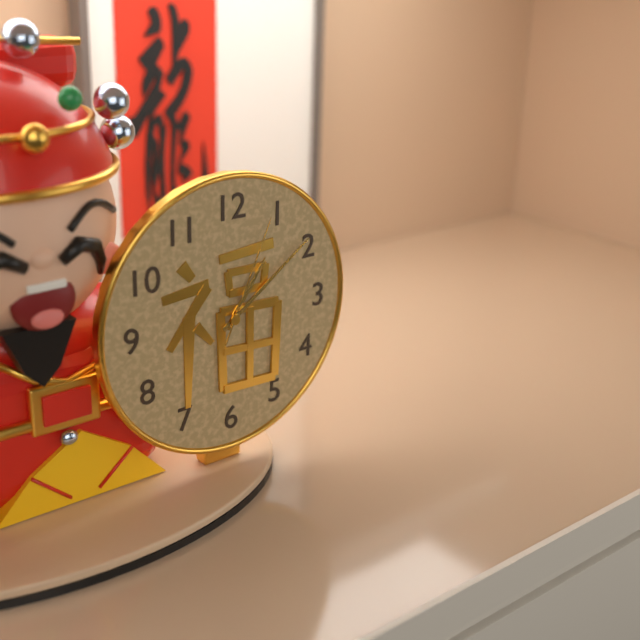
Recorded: 1 h 09 min 04 s
